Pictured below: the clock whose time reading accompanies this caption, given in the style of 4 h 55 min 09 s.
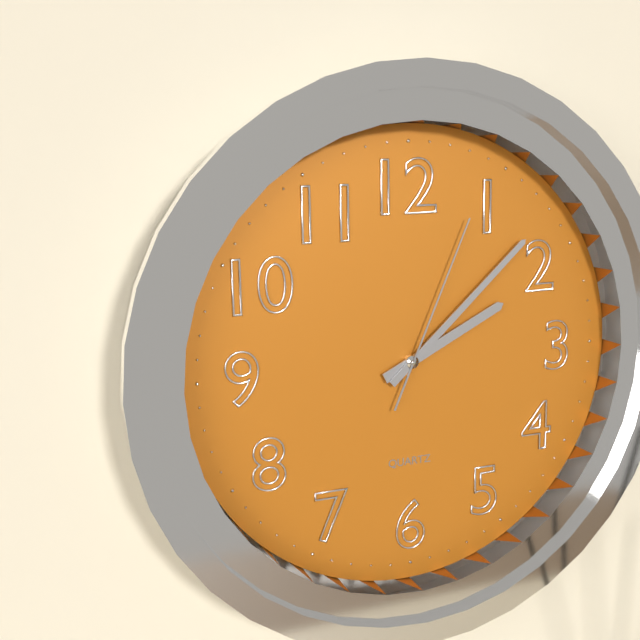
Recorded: 2 h 08 min 04 s
